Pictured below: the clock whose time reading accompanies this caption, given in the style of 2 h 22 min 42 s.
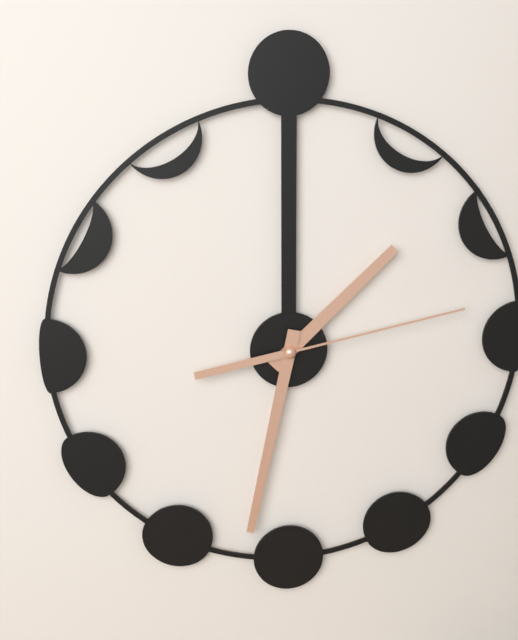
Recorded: 1 h 32 min 13 s
